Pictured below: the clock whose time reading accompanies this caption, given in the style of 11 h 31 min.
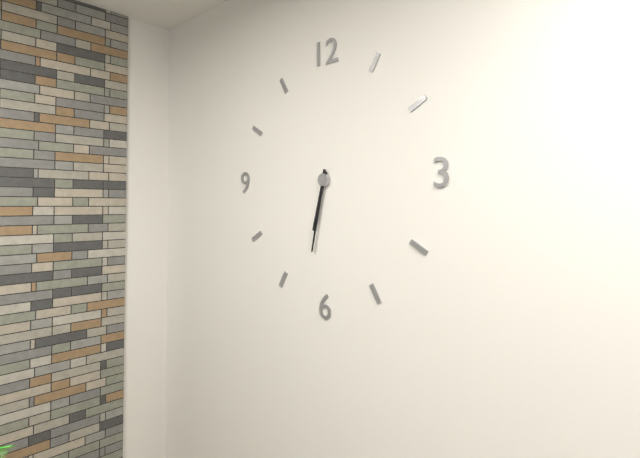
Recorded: 6 h 32 min
